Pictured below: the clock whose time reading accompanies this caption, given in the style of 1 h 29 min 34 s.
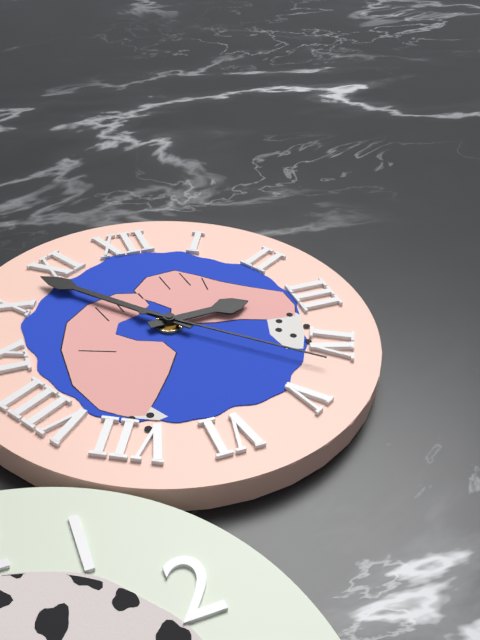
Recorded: 2 h 53 min 22 s
